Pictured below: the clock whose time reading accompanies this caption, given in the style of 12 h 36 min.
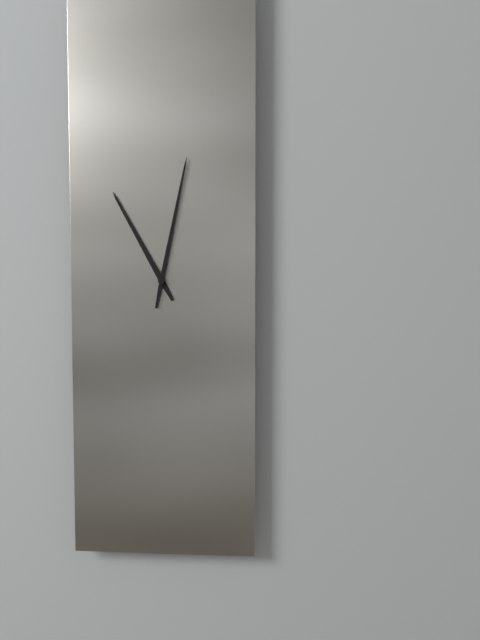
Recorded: 11 h 02 min
